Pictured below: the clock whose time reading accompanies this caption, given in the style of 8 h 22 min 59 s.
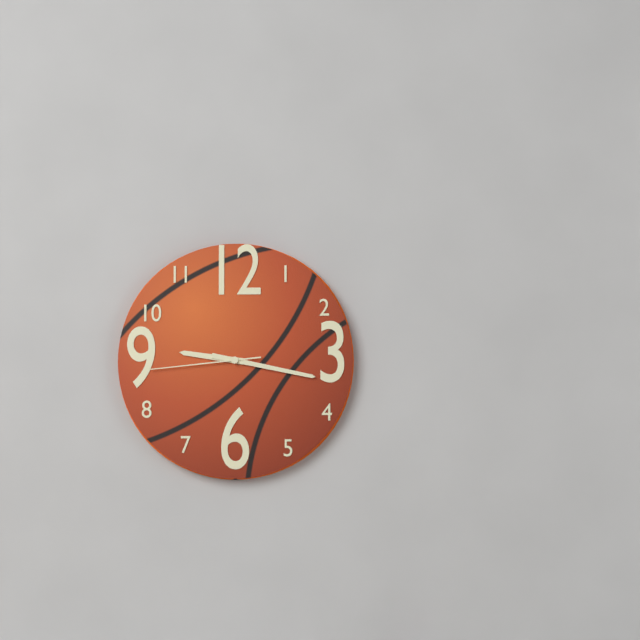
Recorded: 9 h 17 min 44 s
